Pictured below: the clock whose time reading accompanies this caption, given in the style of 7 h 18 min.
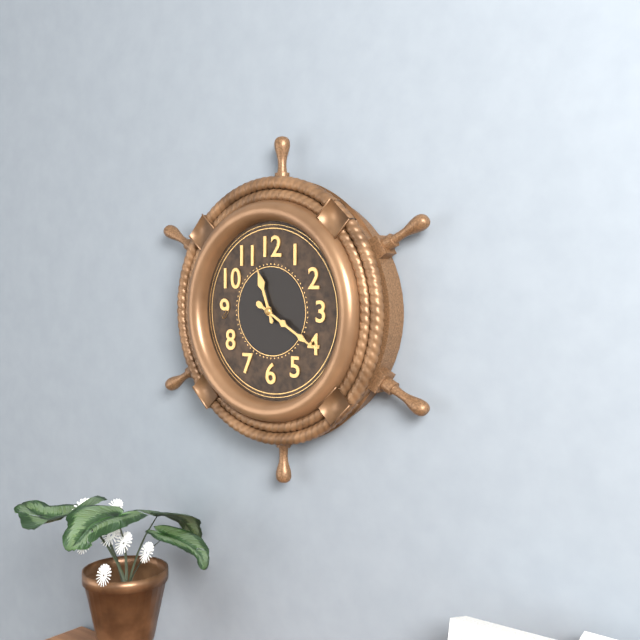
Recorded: 11 h 20 min
